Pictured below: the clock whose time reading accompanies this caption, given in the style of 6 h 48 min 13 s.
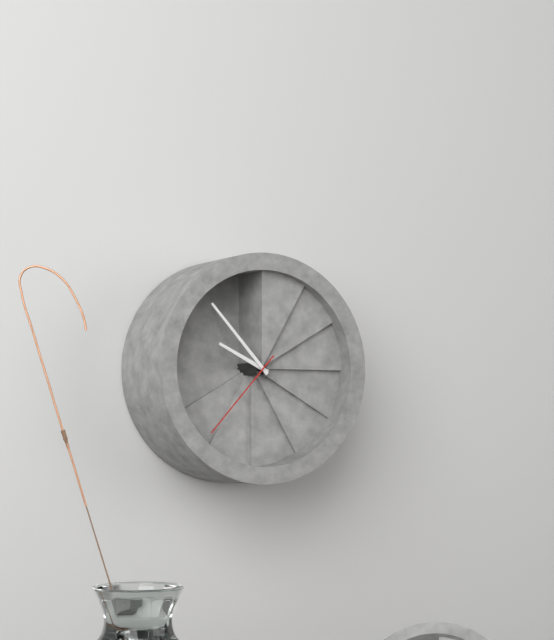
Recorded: 9 h 53 min 37 s
